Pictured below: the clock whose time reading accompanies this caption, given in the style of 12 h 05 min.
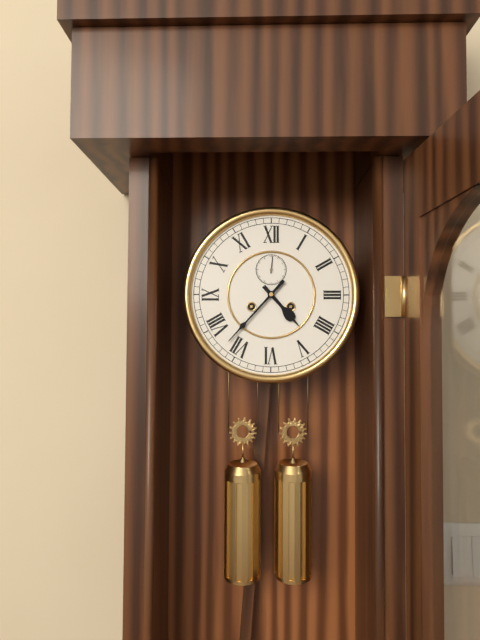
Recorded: 4 h 37 min
